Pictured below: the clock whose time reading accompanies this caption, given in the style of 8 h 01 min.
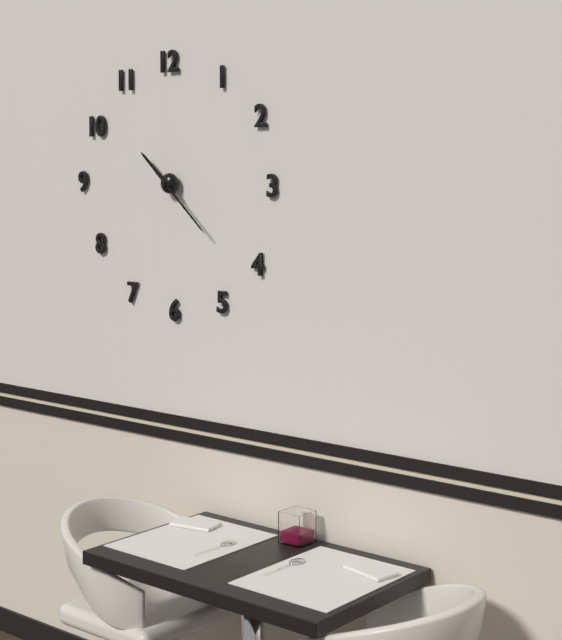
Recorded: 10 h 22 min
